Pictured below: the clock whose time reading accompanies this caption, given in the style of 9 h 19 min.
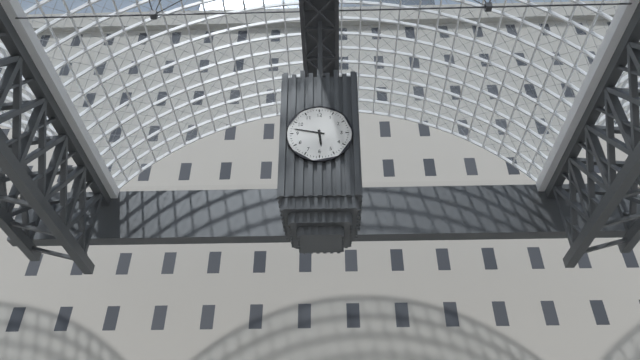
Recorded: 5 h 47 min
